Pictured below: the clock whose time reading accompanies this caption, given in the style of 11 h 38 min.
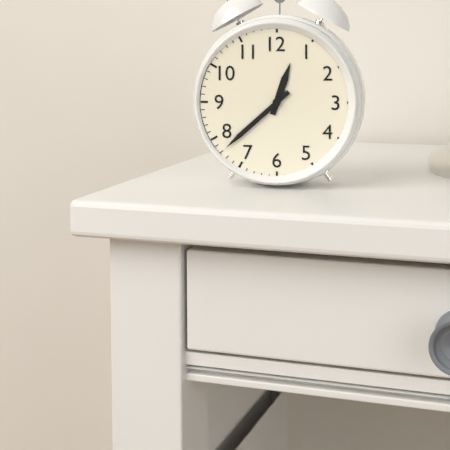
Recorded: 12 h 38 min
